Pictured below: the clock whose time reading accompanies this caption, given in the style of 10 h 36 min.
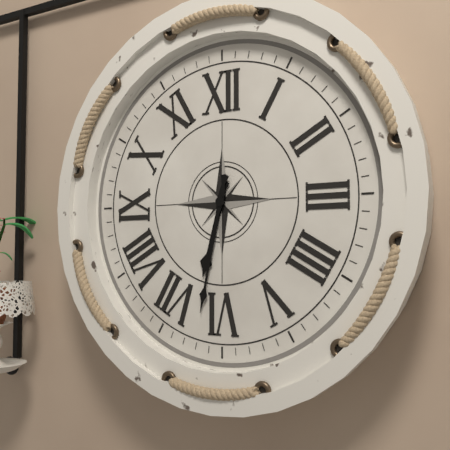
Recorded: 6 h 32 min
